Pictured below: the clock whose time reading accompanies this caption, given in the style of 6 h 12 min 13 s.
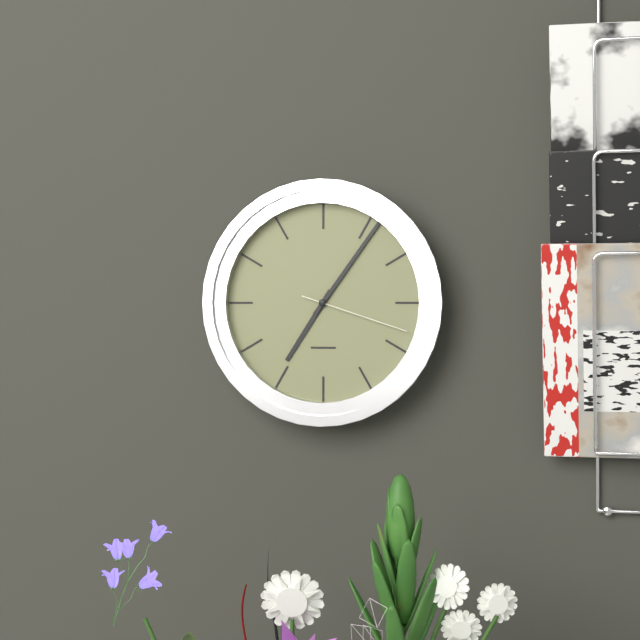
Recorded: 7 h 06 min 18 s
